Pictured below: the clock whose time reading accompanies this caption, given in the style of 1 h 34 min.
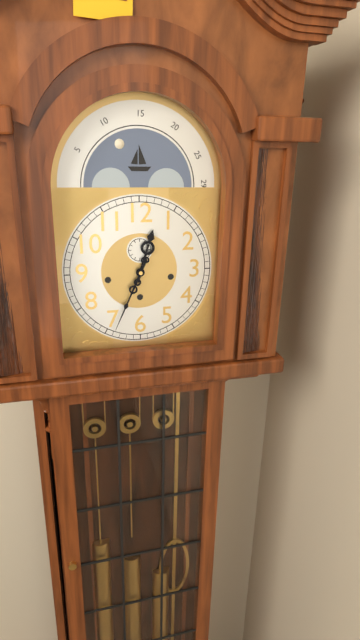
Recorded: 12 h 34 min
